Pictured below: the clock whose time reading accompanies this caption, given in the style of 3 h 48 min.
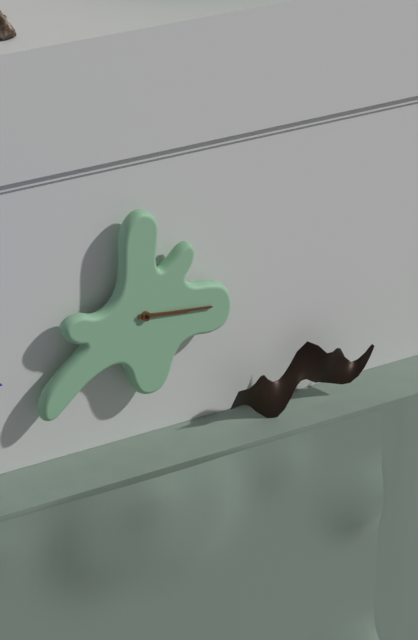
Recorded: 3 h 16 min
